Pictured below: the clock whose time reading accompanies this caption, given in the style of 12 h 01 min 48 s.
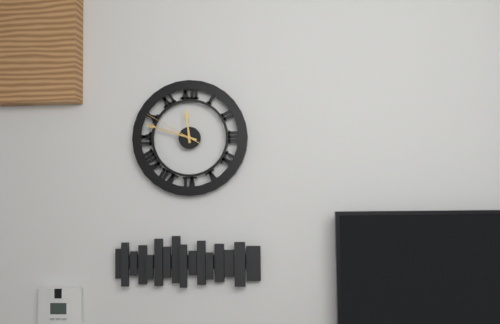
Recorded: 11 h 48 min 50 s
